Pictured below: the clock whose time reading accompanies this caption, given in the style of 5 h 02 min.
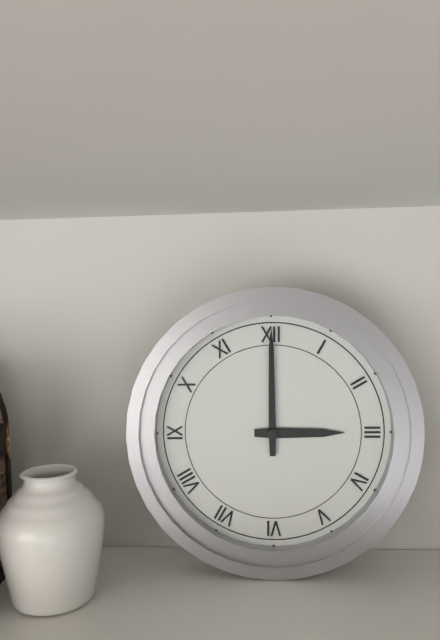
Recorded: 3 h 00 min
